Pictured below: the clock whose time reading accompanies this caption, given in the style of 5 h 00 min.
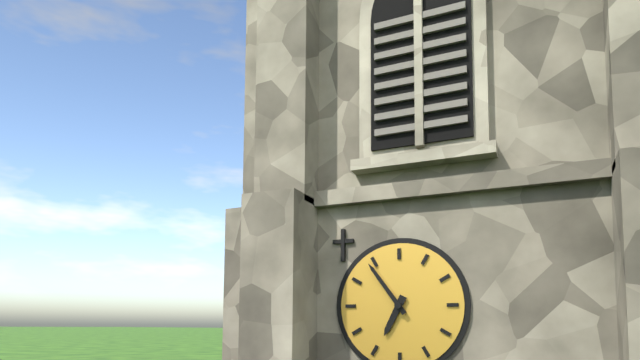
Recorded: 6 h 54 min
